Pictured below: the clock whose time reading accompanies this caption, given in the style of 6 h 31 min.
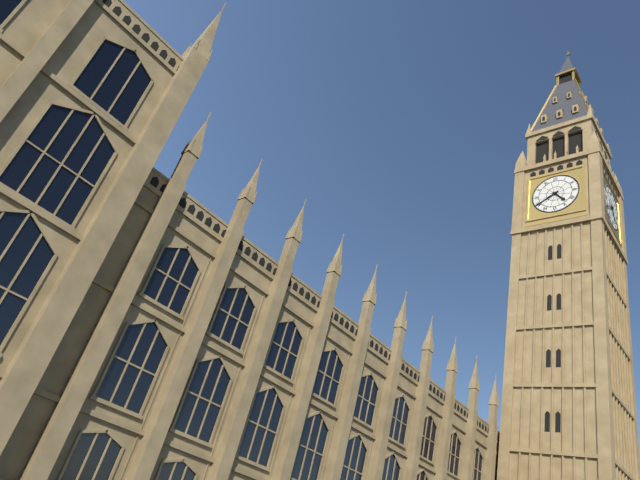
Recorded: 4 h 40 min
